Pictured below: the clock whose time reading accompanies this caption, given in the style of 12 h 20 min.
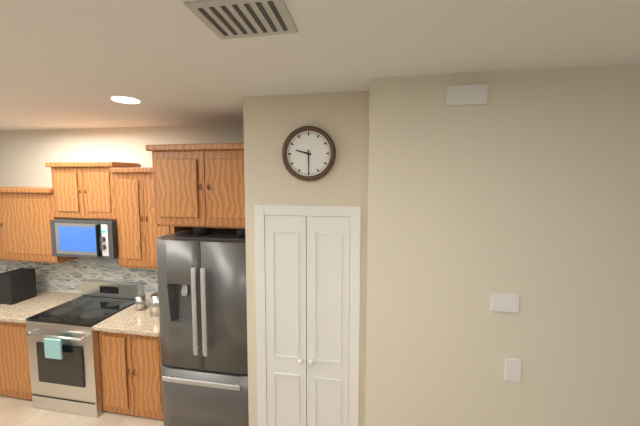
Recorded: 9 h 30 min
